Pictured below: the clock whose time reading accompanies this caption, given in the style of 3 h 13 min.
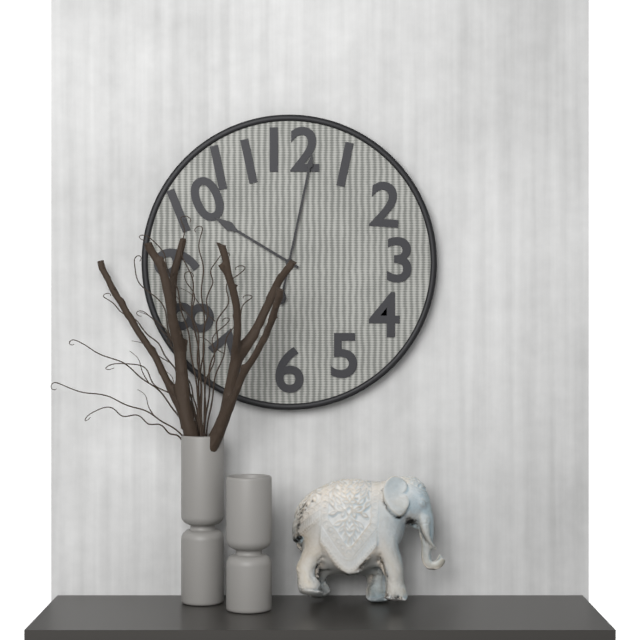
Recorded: 10 h 02 min
